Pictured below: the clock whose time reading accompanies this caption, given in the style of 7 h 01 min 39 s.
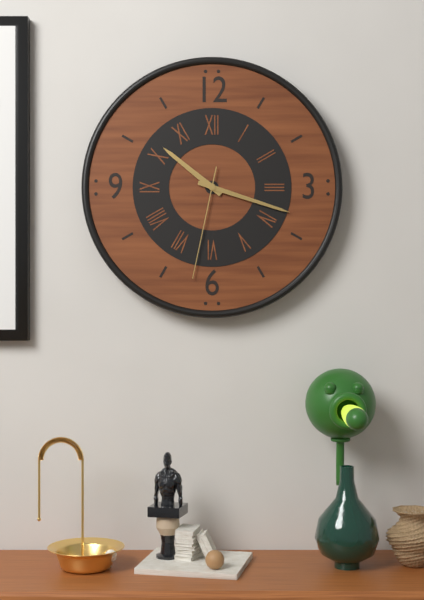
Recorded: 10 h 18 min 32 s
